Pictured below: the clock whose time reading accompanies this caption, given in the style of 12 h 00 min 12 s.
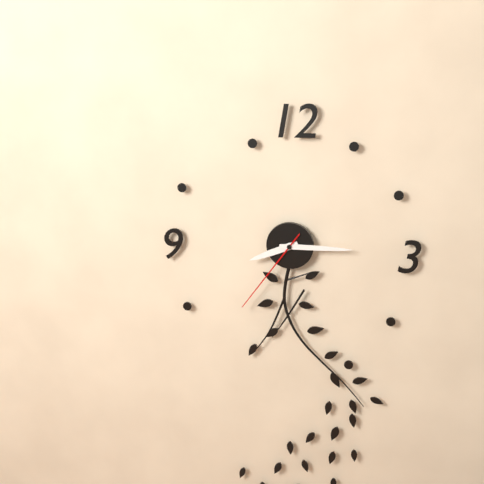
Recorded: 8 h 15 min 36 s
